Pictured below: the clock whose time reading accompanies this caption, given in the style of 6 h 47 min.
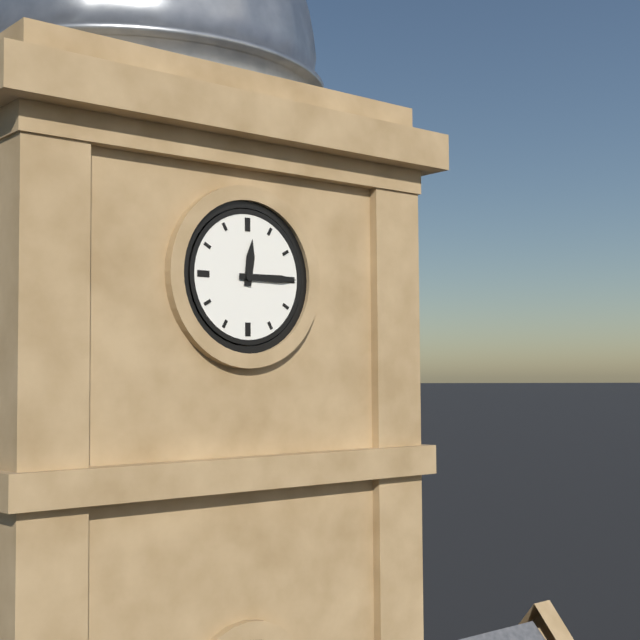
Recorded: 12 h 15 min
